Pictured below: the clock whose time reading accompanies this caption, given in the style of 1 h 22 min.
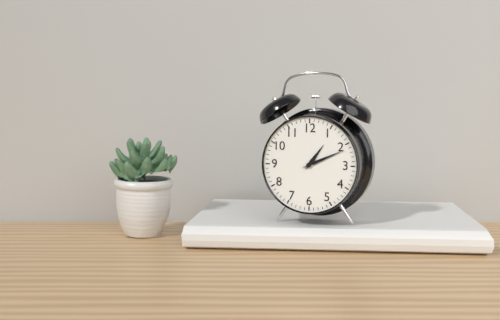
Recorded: 1 h 11 min
